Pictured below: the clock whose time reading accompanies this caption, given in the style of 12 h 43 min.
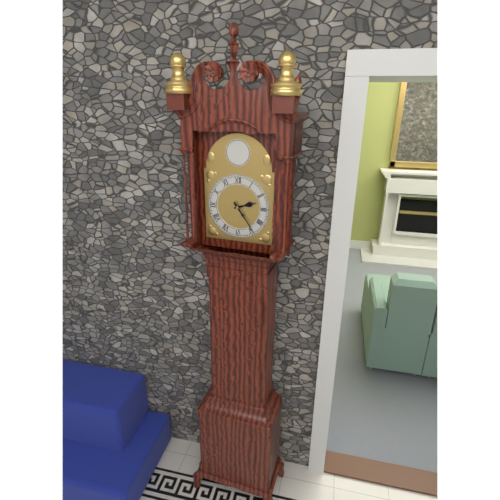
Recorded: 2 h 24 min
